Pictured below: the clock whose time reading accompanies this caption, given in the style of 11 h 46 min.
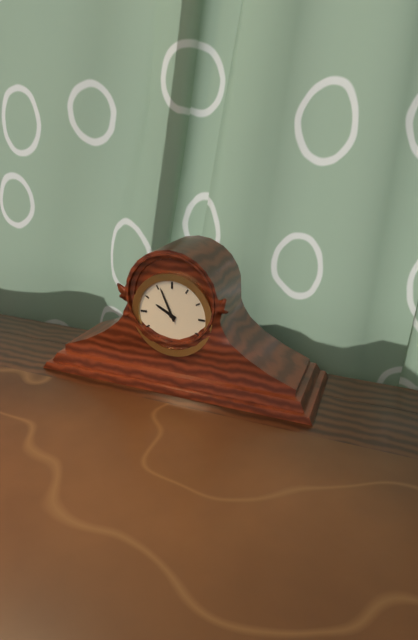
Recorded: 9 h 56 min
